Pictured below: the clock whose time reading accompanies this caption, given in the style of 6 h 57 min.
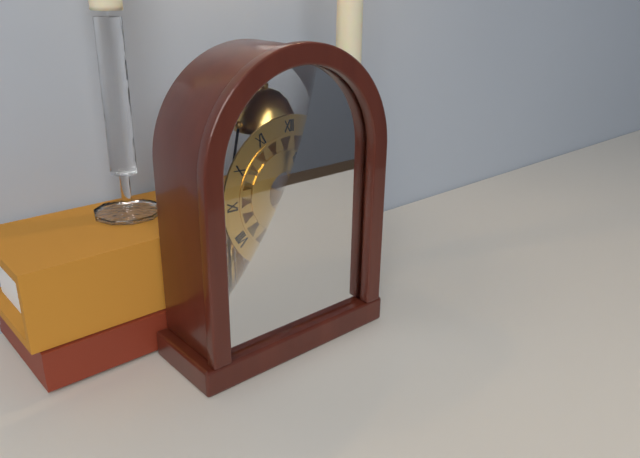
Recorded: 12 h 20 min
